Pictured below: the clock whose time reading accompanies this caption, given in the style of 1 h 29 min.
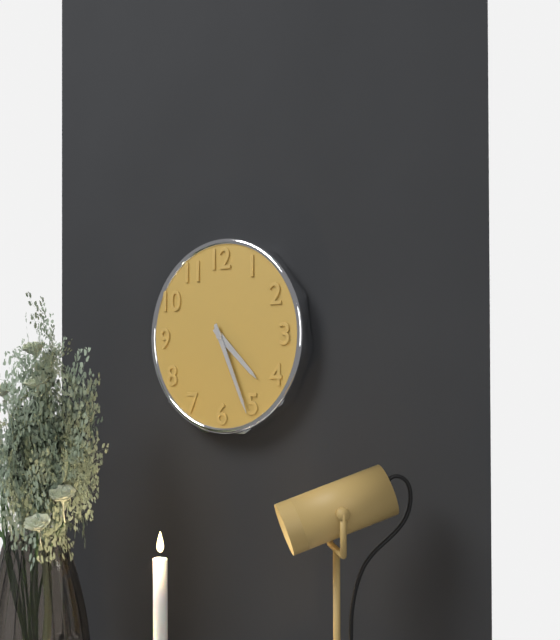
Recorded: 4 h 26 min
